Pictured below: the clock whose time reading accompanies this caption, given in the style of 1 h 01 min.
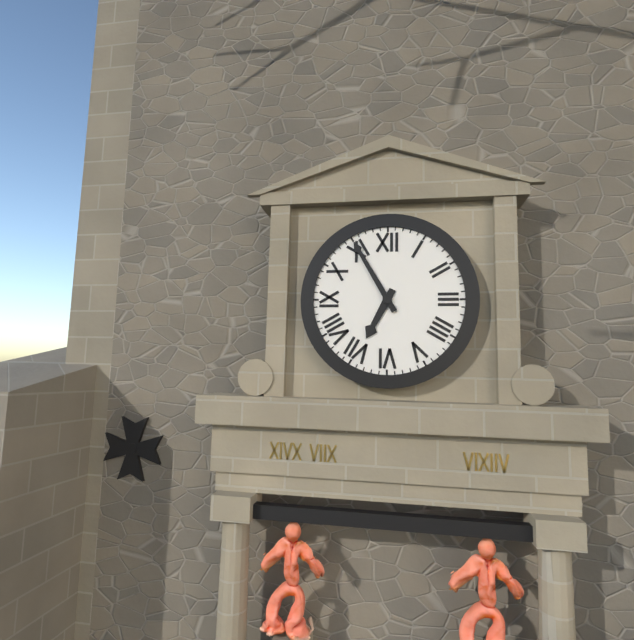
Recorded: 6 h 55 min
